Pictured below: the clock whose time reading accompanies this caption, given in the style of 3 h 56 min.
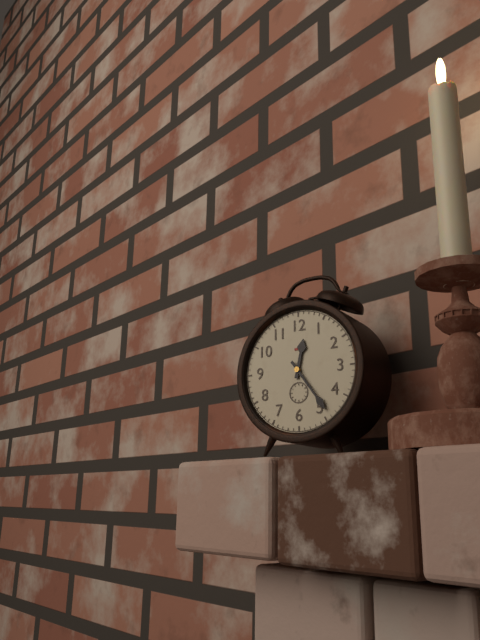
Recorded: 12 h 24 min
